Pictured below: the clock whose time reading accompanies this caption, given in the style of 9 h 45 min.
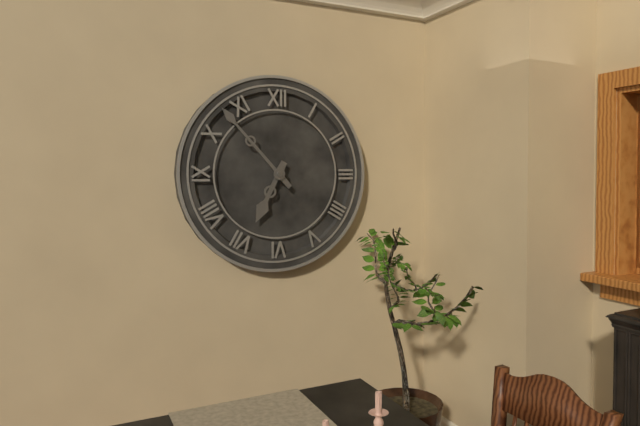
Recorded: 6 h 53 min
